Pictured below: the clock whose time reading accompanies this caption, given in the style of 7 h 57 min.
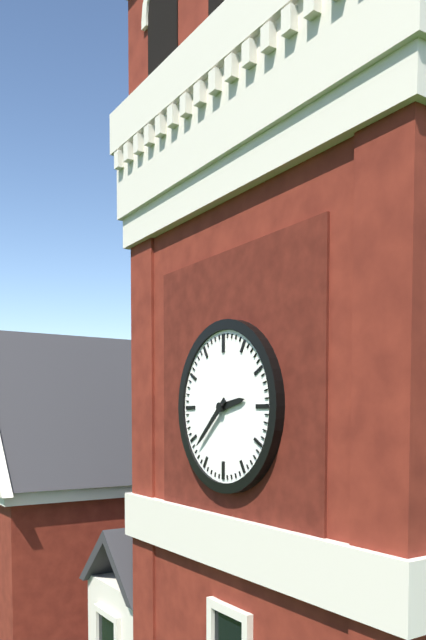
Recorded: 2 h 38 min
